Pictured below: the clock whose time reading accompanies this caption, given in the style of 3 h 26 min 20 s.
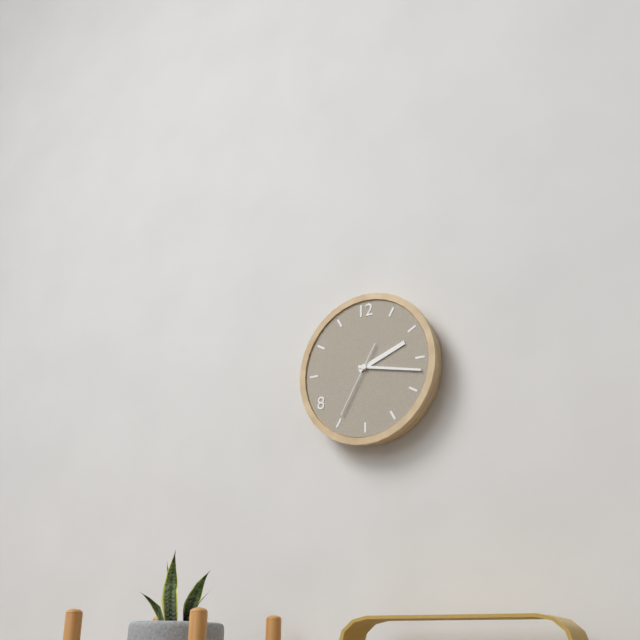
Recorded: 2 h 17 min 35 s
